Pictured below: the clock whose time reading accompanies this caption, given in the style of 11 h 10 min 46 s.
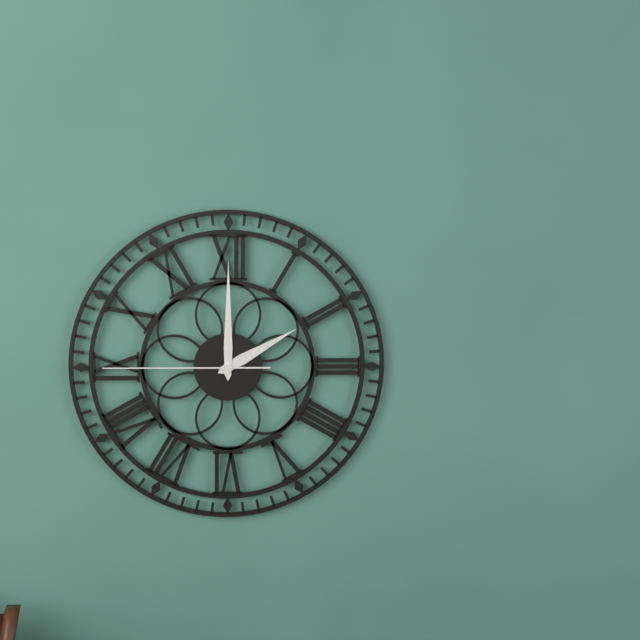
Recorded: 2 h 00 min 45 s
